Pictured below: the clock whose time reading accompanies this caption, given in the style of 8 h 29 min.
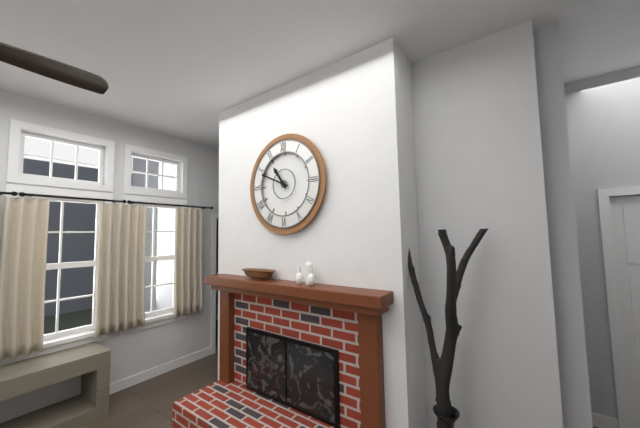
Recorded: 10 h 49 min
